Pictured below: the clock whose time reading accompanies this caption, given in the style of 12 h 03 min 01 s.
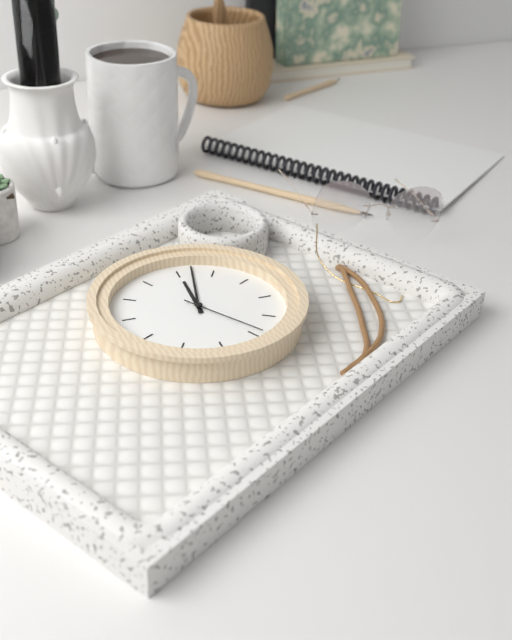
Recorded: 12 h 02 min 24 s
